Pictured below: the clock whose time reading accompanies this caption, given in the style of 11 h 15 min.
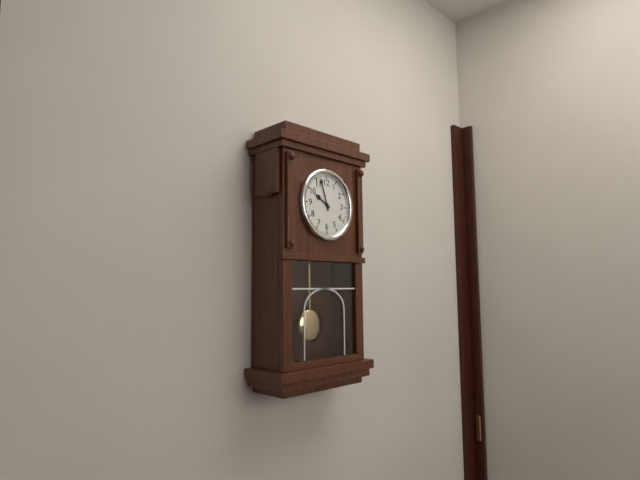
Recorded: 9 h 57 min
